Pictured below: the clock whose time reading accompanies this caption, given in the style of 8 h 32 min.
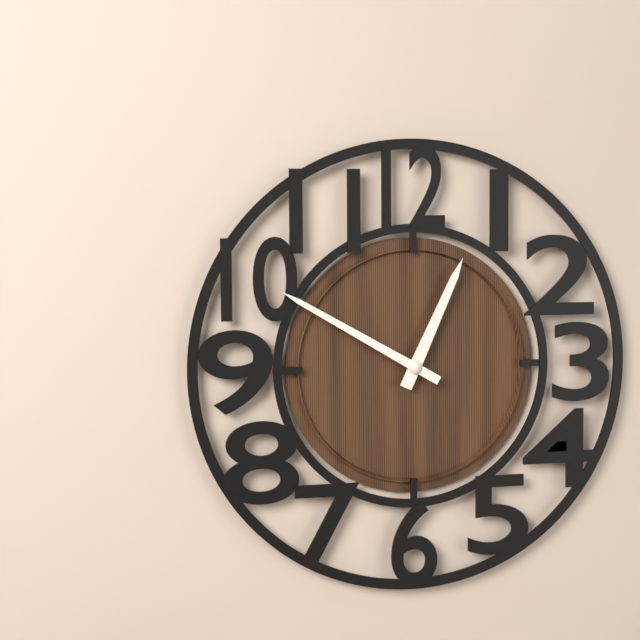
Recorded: 12 h 50 min
